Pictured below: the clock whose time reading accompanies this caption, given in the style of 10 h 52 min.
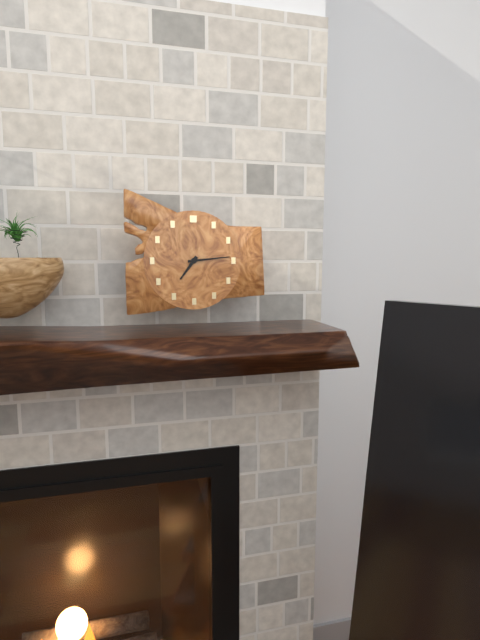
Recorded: 7 h 14 min
